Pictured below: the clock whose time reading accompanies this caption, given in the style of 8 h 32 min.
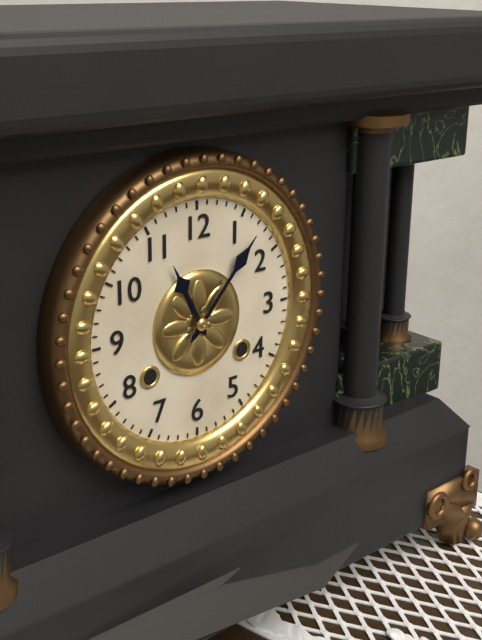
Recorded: 11 h 07 min
